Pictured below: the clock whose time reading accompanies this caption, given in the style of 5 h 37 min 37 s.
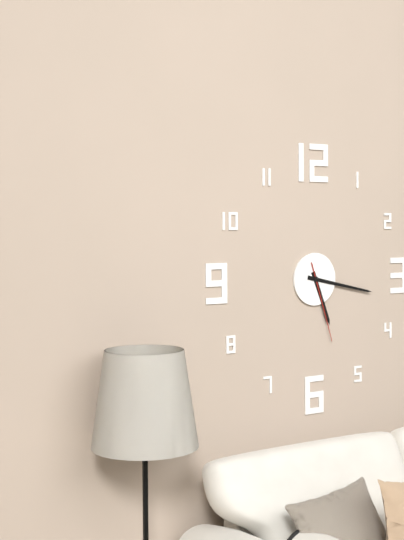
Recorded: 5 h 17 min 27 s
